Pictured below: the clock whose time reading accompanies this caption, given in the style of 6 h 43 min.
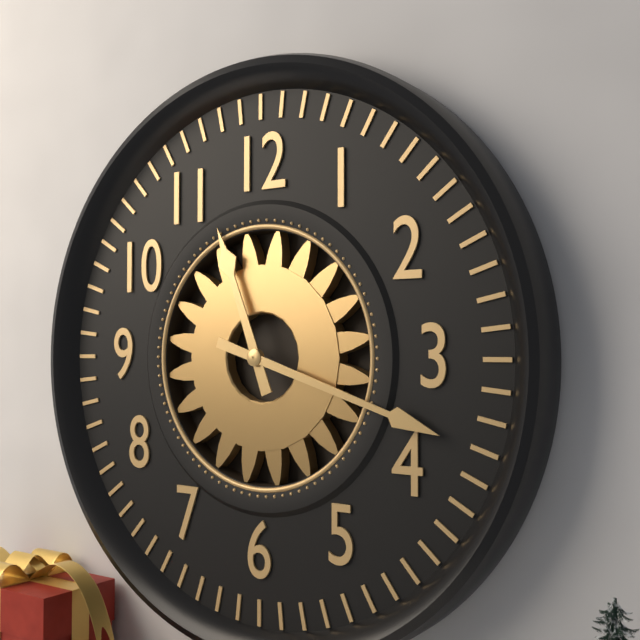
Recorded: 11 h 18 min
